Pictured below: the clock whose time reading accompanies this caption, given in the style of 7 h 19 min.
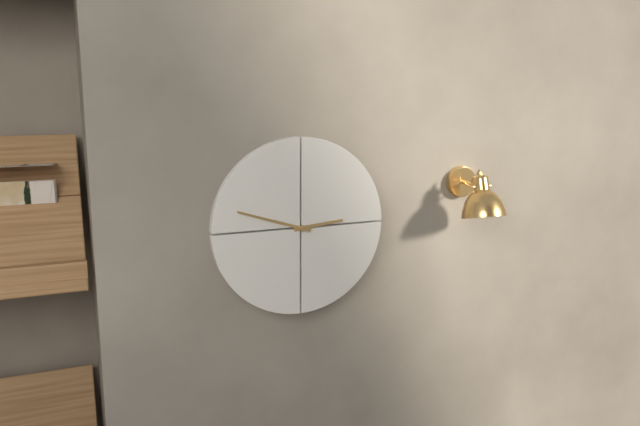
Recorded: 2 h 48 min
